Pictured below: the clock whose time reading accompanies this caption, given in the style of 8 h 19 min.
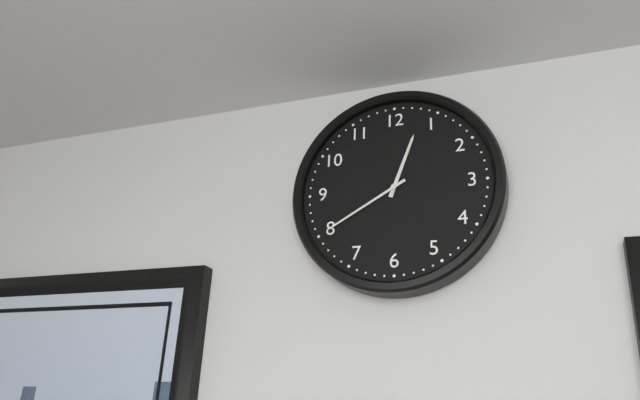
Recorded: 12 h 40 min
